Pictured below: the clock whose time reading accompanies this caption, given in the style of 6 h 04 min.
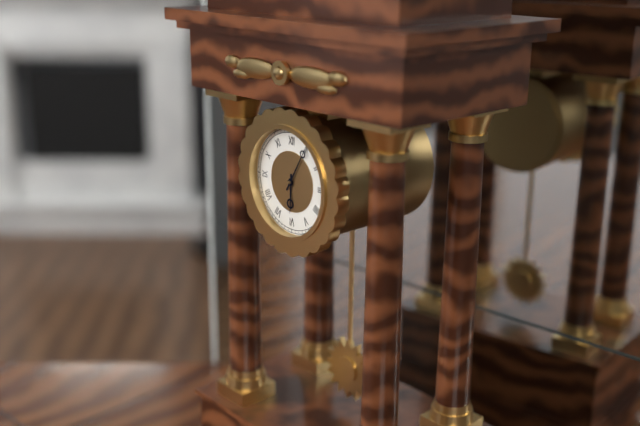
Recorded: 6 h 05 min
